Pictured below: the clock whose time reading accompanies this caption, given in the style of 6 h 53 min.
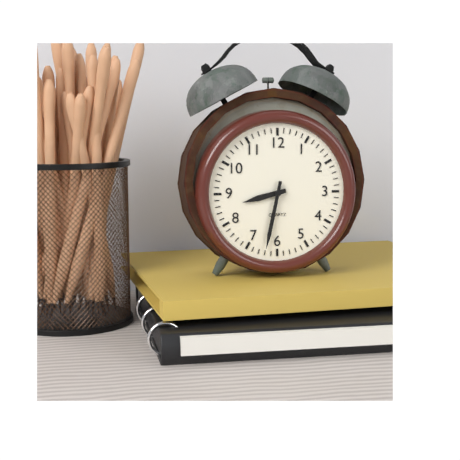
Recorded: 8 h 32 min
